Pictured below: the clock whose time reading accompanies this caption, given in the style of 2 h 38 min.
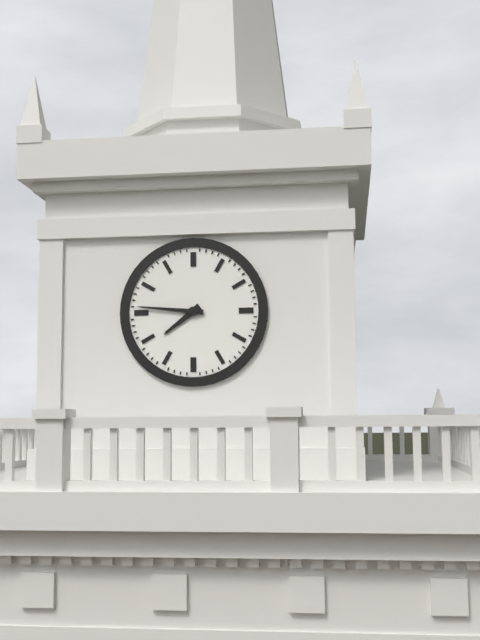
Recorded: 7 h 46 min
